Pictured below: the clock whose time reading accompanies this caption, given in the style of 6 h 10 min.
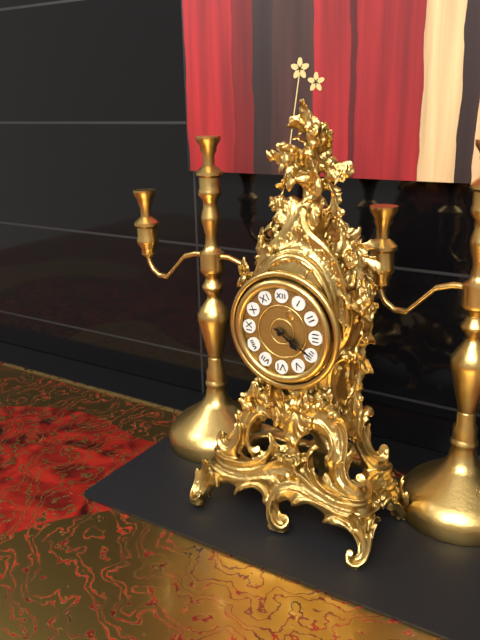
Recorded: 4 h 20 min
